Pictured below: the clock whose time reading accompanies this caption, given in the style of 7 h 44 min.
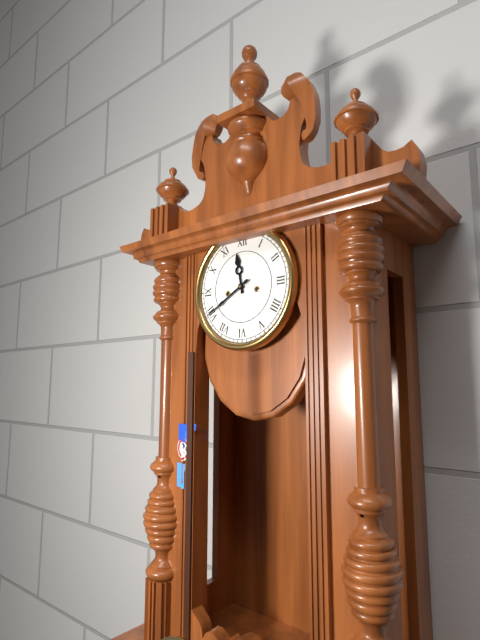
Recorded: 11 h 40 min
